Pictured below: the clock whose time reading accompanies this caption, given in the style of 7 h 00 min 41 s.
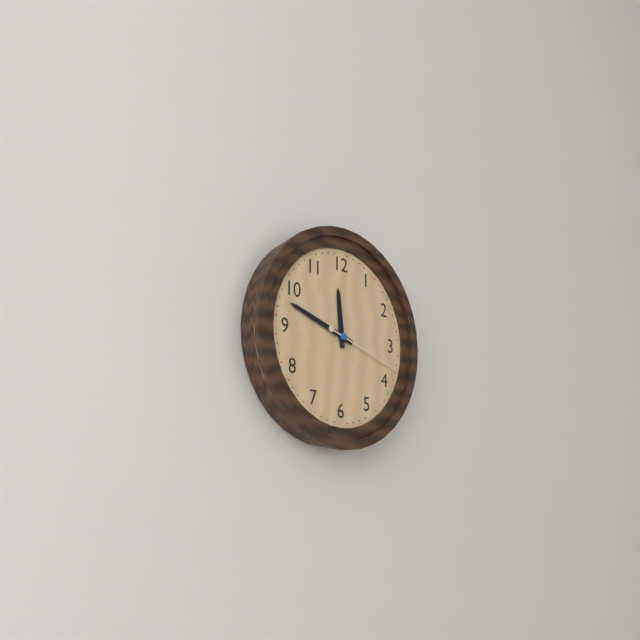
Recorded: 11 h 48 min 18 s
